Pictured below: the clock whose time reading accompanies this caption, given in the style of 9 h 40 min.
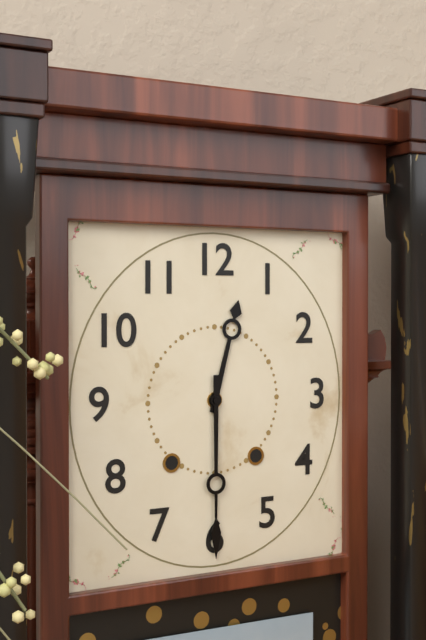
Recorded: 12 h 30 min
